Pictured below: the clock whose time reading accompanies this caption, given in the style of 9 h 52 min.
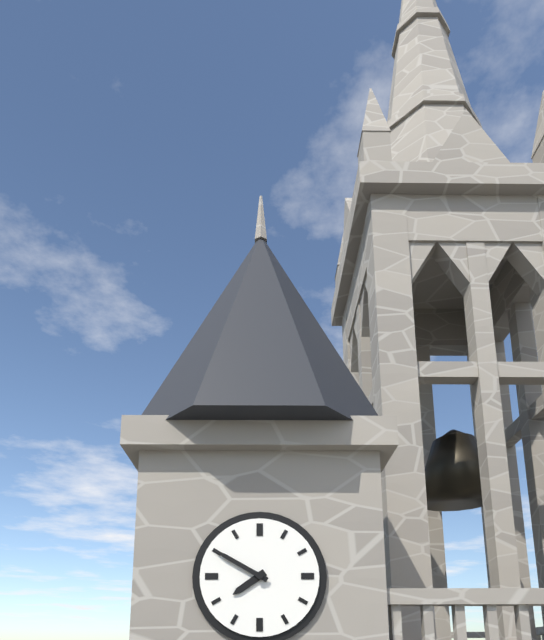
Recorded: 7 h 50 min
